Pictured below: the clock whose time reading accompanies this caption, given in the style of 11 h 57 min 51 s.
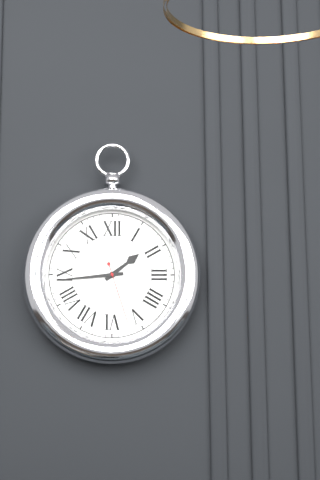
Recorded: 1 h 44 min 27 s
